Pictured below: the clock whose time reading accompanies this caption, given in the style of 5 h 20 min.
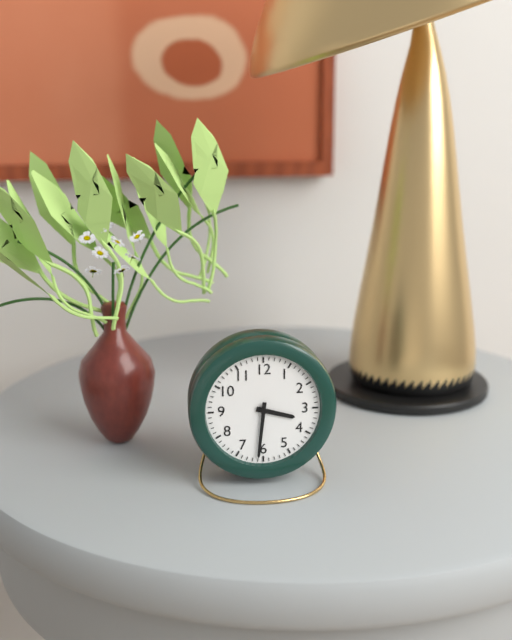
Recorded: 3 h 31 min
